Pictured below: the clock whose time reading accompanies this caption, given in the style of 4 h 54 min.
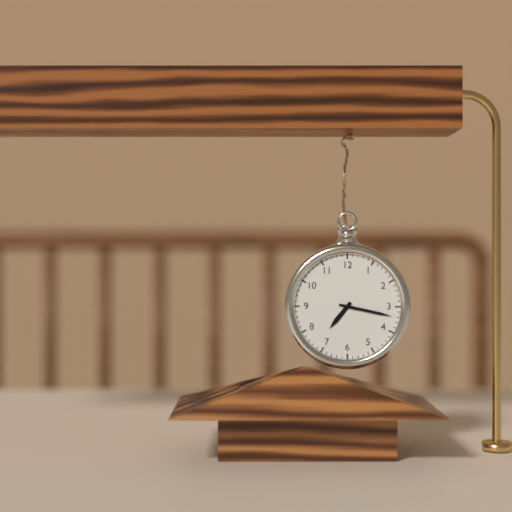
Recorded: 7 h 17 min
